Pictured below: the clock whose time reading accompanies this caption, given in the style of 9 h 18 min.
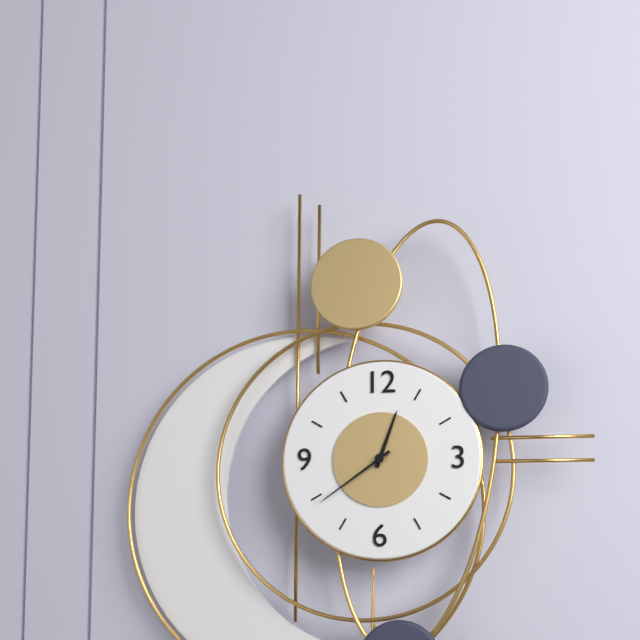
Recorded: 12 h 39 min
